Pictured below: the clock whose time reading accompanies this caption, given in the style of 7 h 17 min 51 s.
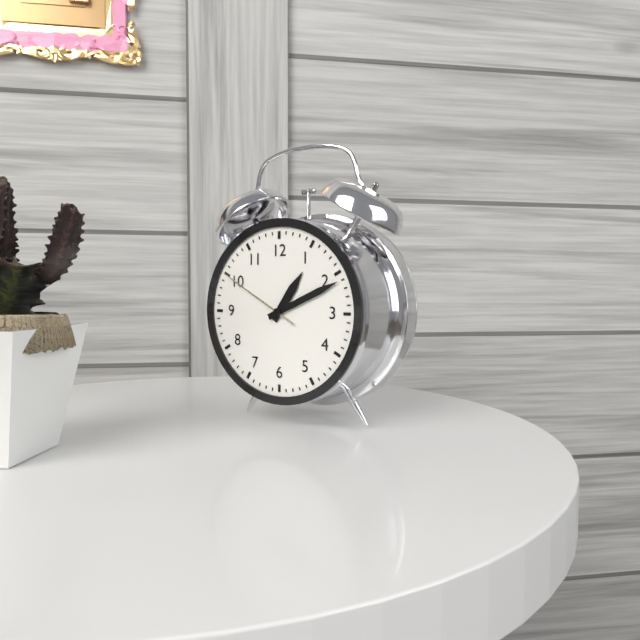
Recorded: 1 h 11 min 50 s
